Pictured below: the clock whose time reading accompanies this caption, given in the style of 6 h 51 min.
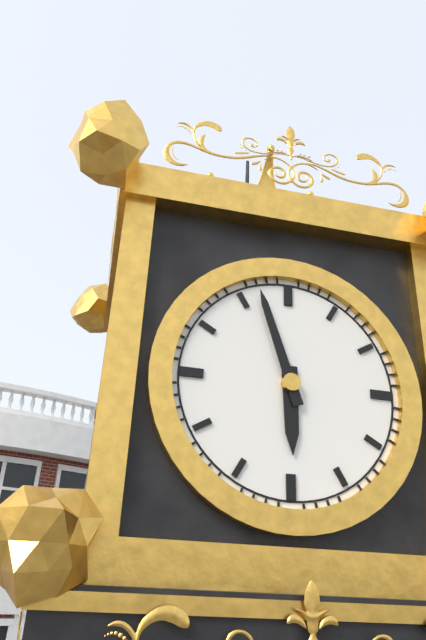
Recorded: 5 h 57 min
